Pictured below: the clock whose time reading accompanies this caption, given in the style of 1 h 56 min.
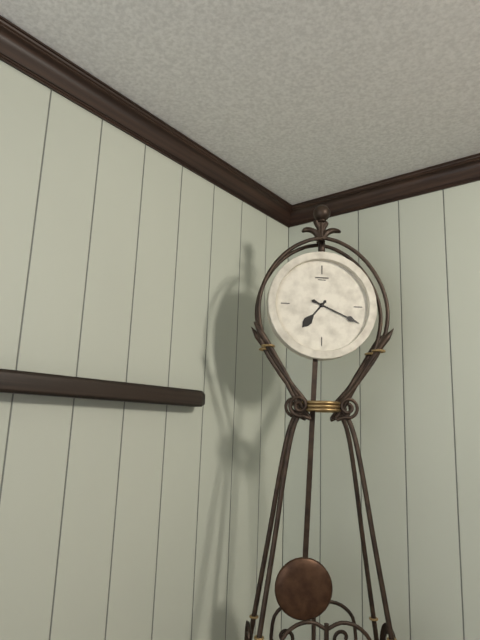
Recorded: 7 h 19 min
